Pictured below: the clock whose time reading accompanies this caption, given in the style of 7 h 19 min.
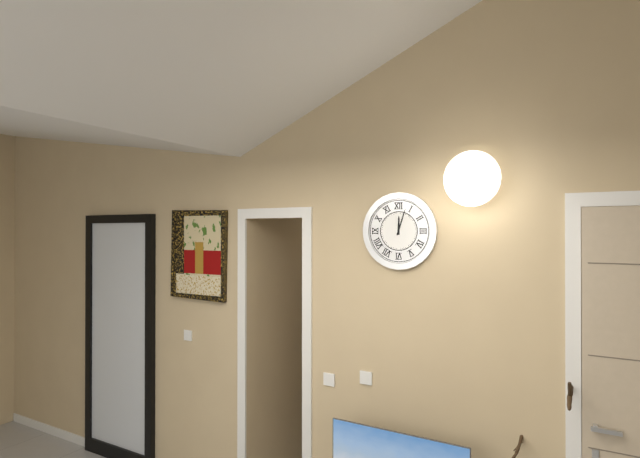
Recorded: 12 h 03 min
